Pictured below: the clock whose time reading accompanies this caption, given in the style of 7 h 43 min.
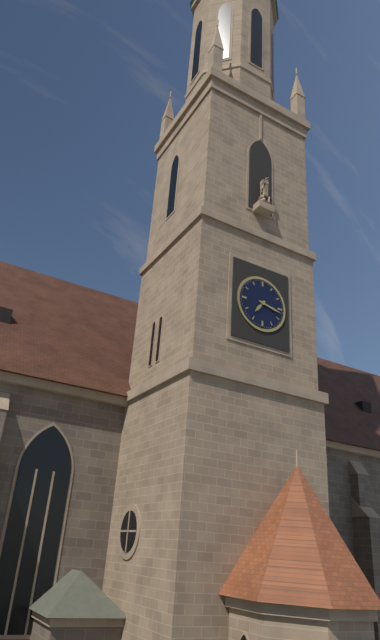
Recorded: 7 h 17 min
